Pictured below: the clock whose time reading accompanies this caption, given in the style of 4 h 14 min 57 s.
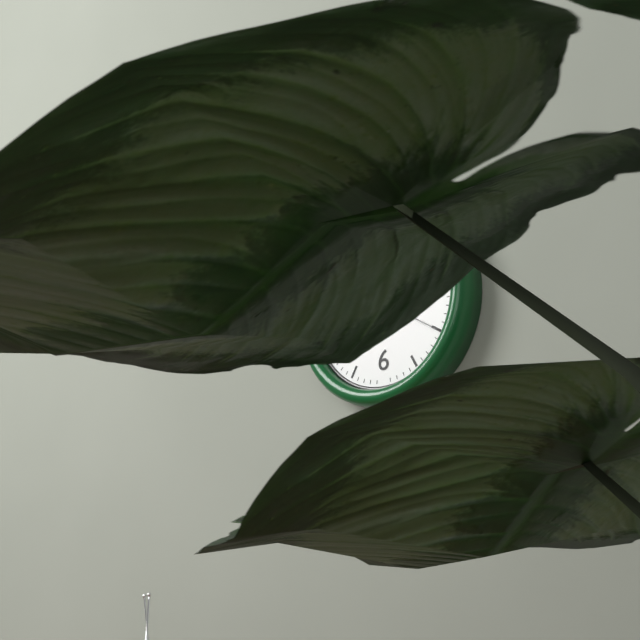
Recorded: 10 h 04 min 20 s
